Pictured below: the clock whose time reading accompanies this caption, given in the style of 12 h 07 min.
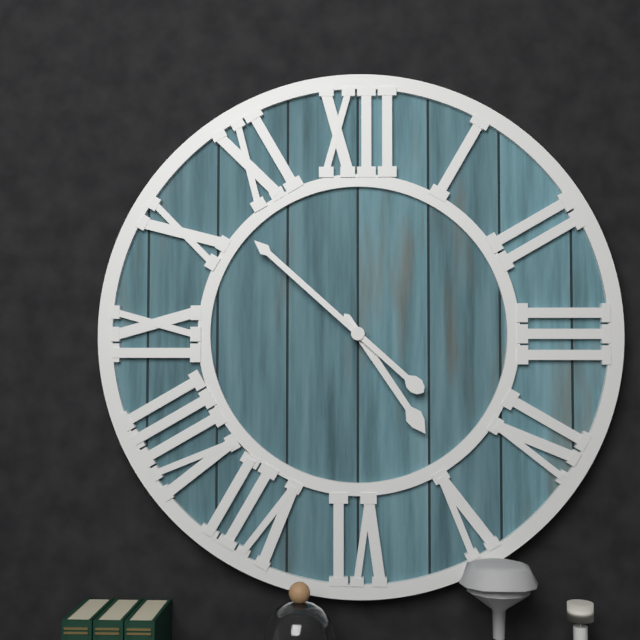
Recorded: 4 h 52 min
